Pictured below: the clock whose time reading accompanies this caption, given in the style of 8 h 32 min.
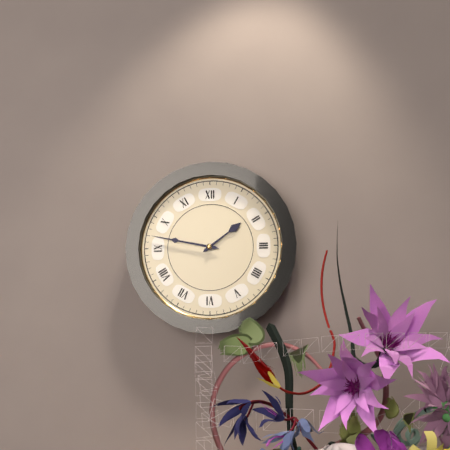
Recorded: 1 h 47 min
